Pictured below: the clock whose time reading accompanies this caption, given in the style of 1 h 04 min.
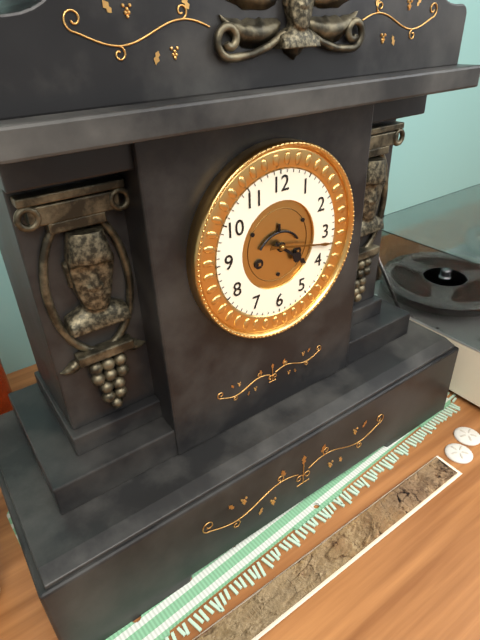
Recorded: 4 h 17 min
